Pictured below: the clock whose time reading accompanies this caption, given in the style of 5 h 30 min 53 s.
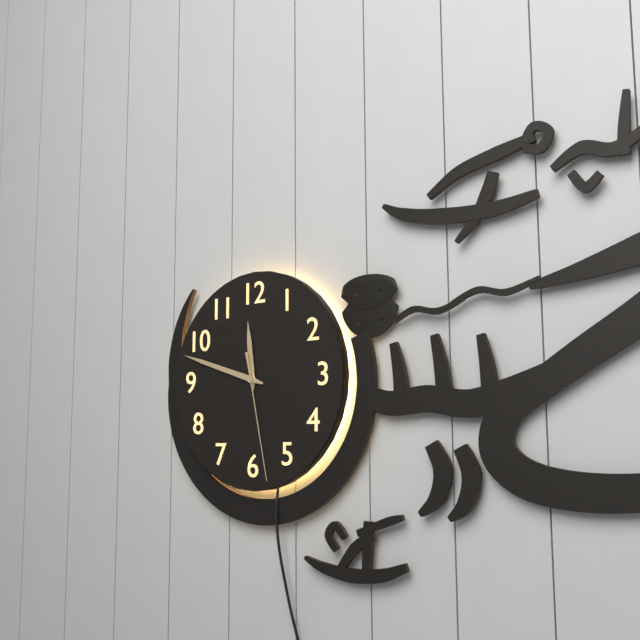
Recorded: 11 h 48 min 28 s
